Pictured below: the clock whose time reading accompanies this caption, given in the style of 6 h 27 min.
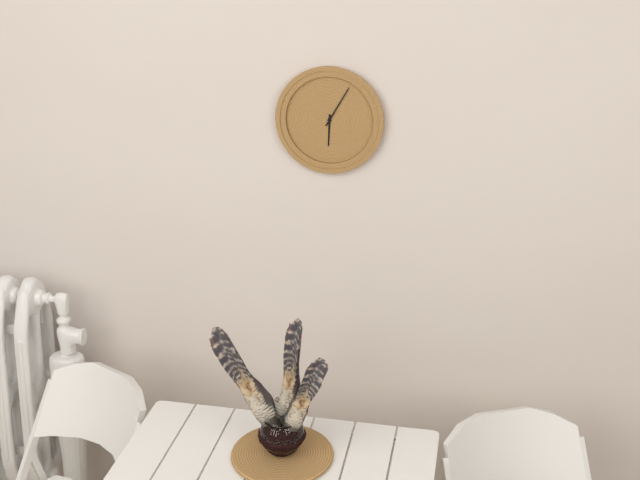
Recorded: 6 h 05 min
